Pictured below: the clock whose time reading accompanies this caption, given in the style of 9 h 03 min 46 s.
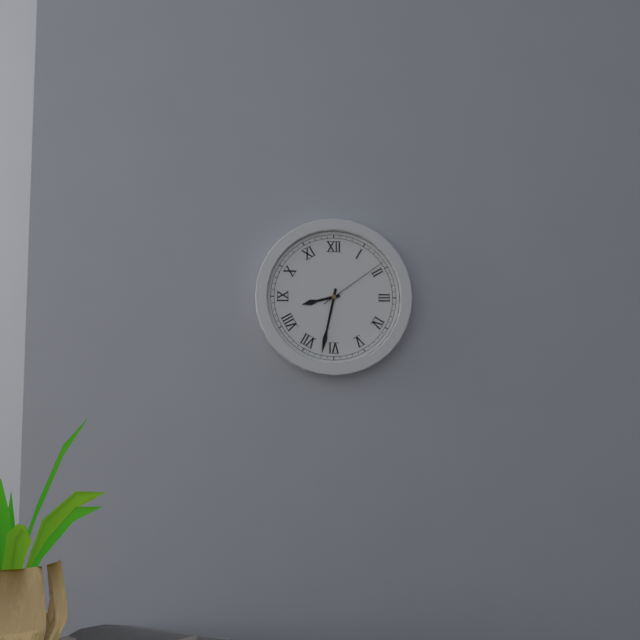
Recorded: 8 h 32 min 09 s
